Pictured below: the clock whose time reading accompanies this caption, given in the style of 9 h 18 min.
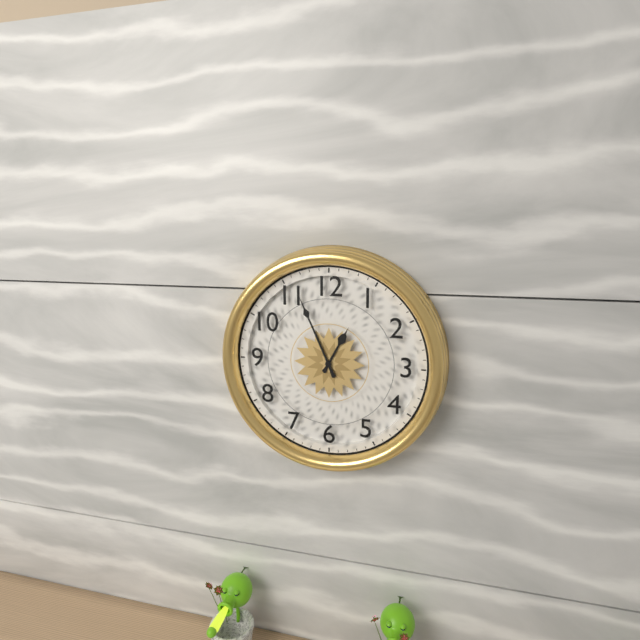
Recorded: 12 h 56 min
